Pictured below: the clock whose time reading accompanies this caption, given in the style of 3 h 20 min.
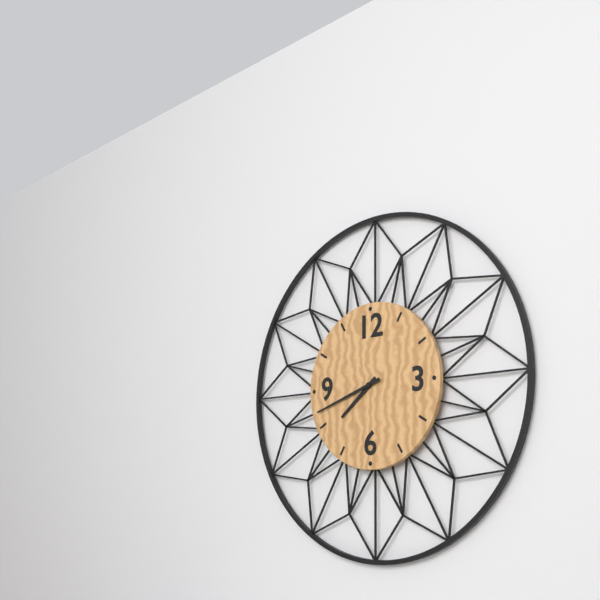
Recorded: 7 h 42 min
